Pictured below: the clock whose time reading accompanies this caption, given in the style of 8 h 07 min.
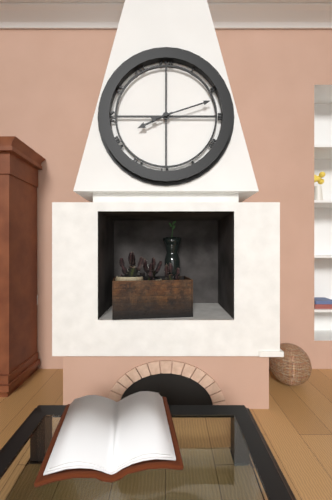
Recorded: 8 h 12 min
